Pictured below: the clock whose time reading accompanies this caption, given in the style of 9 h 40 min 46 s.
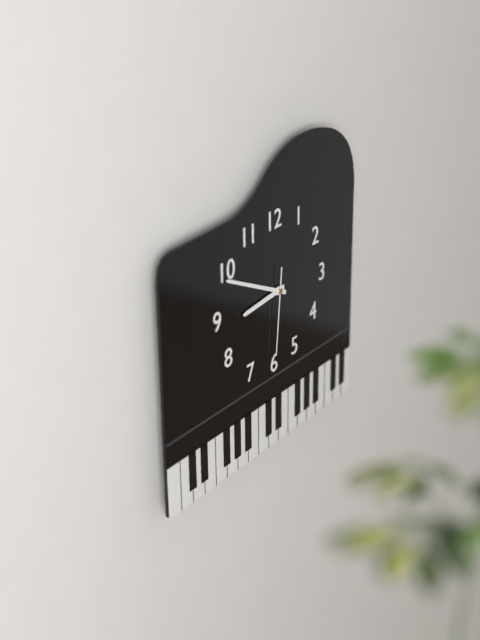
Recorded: 8 h 49 min 31 s
